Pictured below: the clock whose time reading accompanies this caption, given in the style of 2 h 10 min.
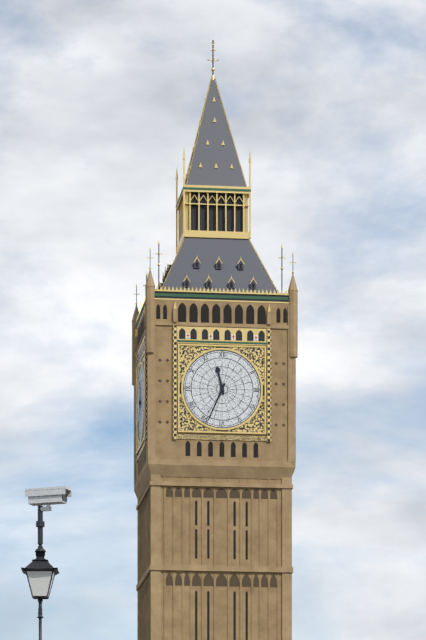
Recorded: 11 h 34 min
